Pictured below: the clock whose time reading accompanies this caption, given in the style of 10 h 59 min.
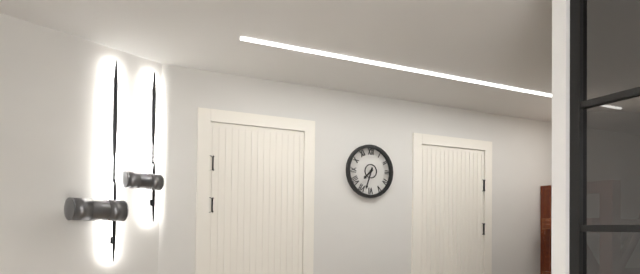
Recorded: 7 h 33 min
